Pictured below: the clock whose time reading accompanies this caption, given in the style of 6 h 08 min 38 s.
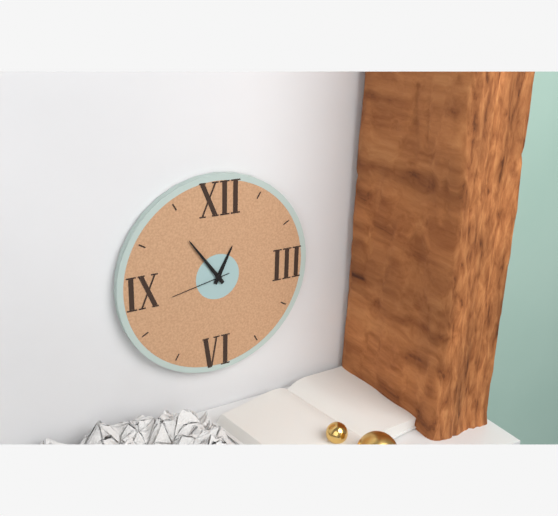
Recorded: 12 h 54 min 43 s
